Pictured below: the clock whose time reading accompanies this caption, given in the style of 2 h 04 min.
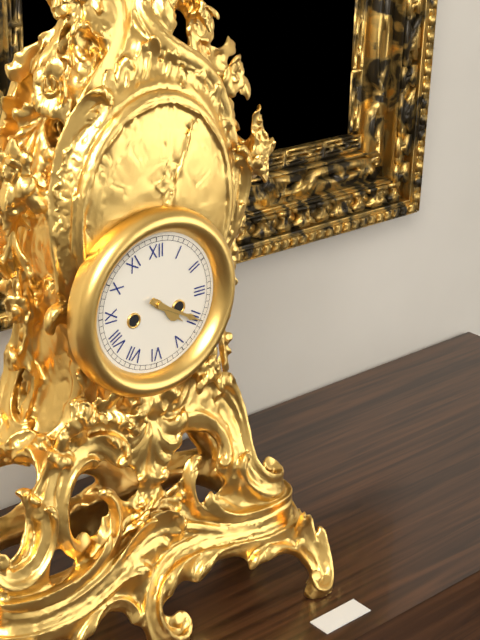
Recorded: 4 h 20 min
